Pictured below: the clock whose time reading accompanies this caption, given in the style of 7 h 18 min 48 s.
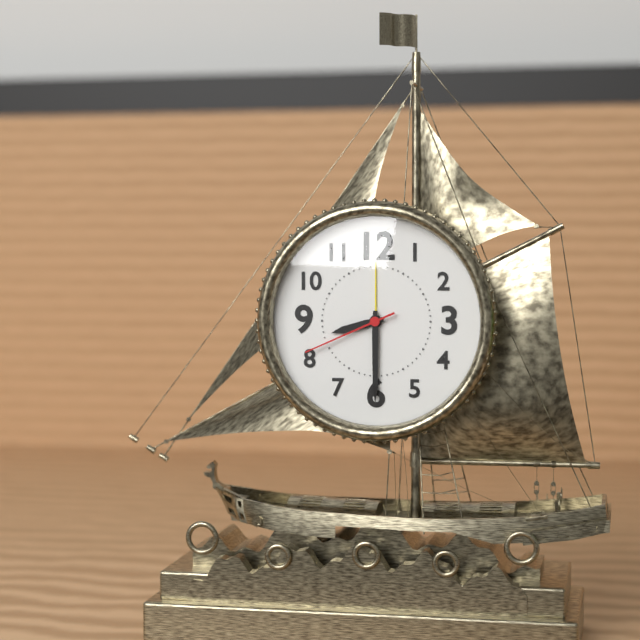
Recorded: 8 h 30 min 41 s
